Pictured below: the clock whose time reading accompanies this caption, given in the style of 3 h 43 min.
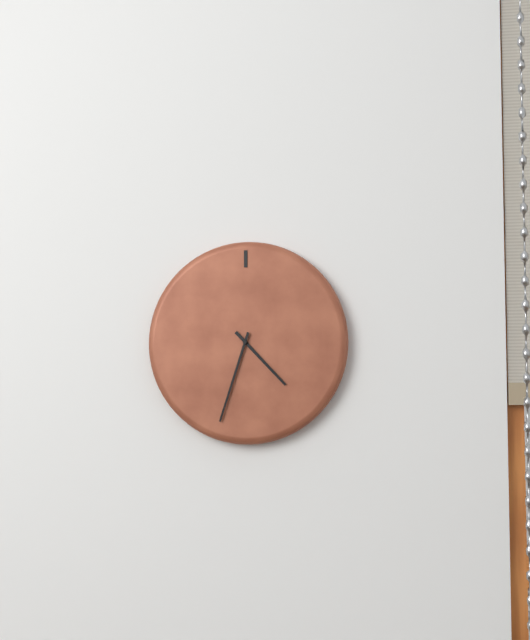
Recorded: 4 h 33 min
